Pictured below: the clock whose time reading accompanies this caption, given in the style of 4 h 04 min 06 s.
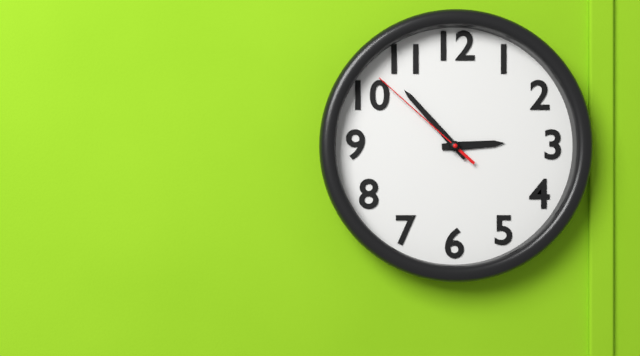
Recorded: 2 h 53 min 52 s
